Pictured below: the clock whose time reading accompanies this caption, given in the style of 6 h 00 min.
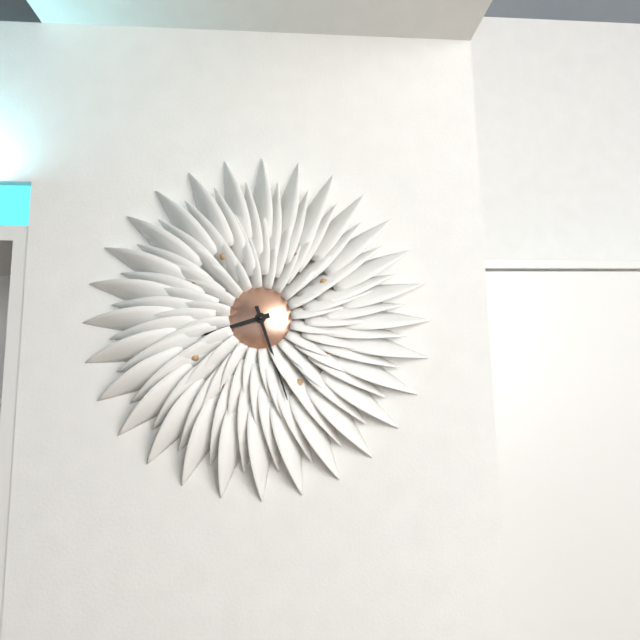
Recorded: 8 h 27 min
